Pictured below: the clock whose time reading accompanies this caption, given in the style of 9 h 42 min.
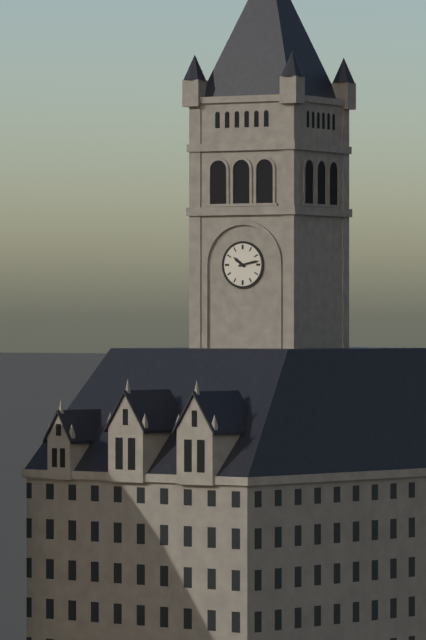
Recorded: 10 h 13 min
